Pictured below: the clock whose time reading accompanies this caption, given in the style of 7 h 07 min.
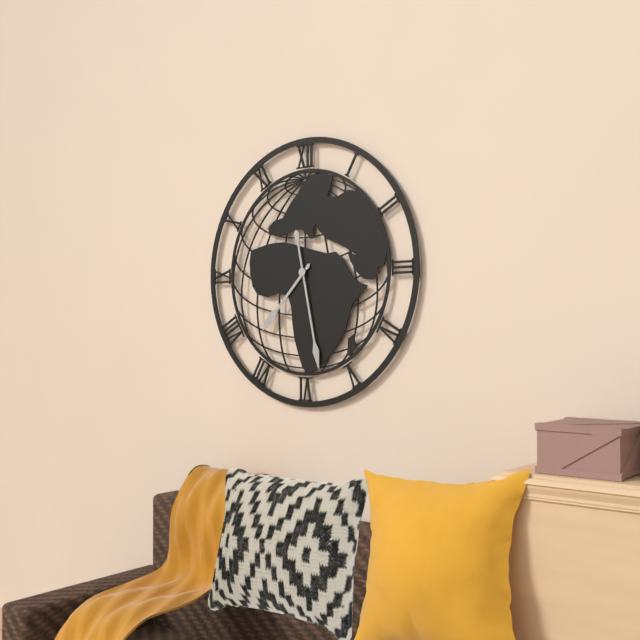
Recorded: 7 h 28 min
